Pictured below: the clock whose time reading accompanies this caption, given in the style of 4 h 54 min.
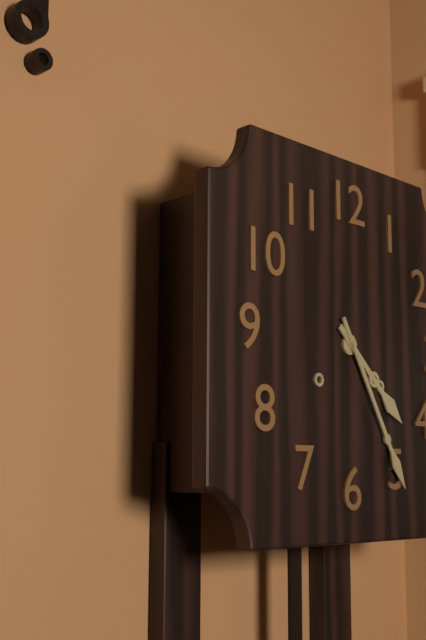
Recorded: 4 h 25 min
